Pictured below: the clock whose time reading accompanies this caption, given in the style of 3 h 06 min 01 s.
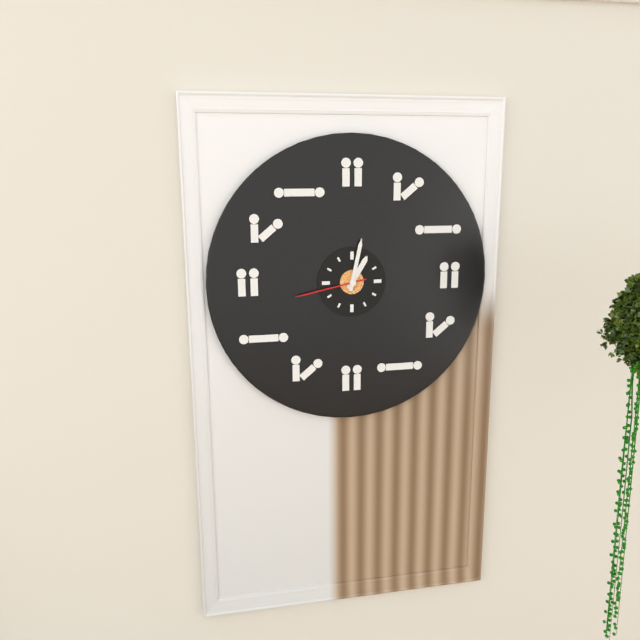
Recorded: 1 h 02 min 43 s
